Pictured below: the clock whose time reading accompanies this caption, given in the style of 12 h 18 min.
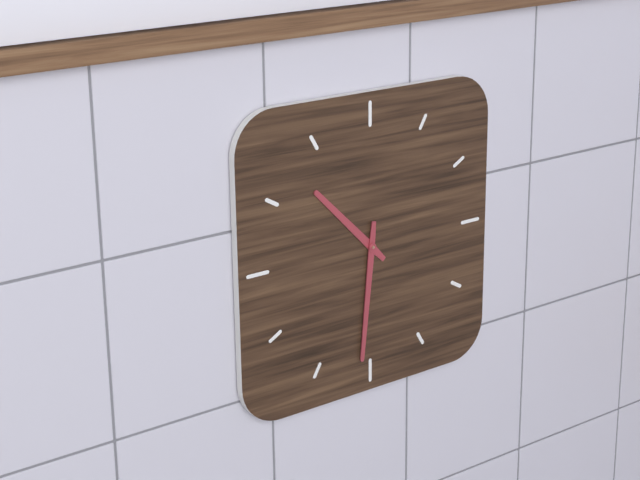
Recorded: 10 h 31 min
